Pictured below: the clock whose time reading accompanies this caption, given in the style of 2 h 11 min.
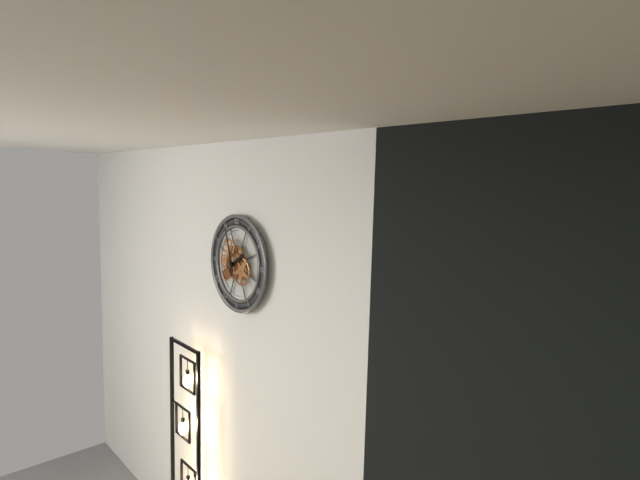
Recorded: 1 h 57 min
